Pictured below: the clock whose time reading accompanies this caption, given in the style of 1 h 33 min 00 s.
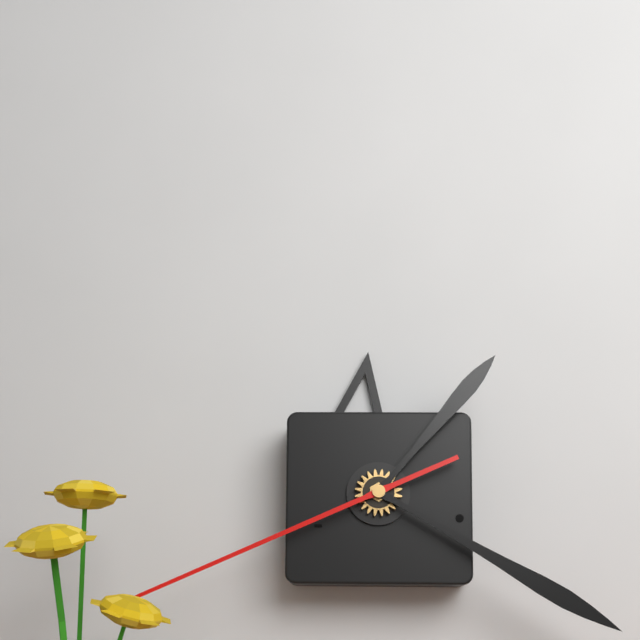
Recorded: 1 h 20 min 41 s
